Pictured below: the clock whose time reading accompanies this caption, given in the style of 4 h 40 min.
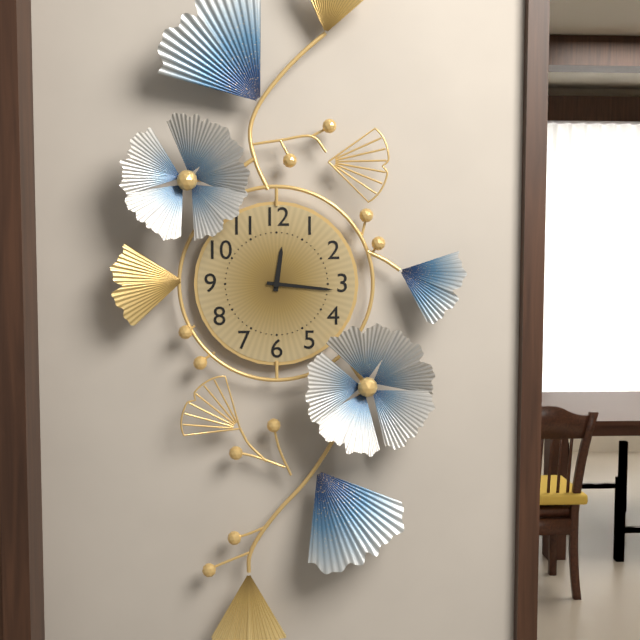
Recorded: 12 h 16 min
